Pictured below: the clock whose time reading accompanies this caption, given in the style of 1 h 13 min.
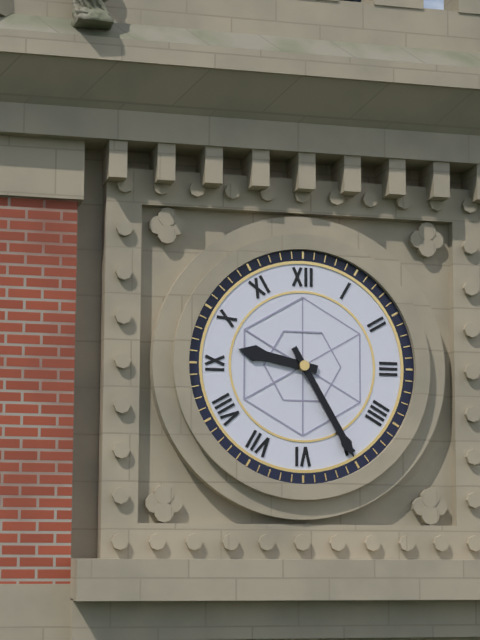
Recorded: 9 h 25 min
